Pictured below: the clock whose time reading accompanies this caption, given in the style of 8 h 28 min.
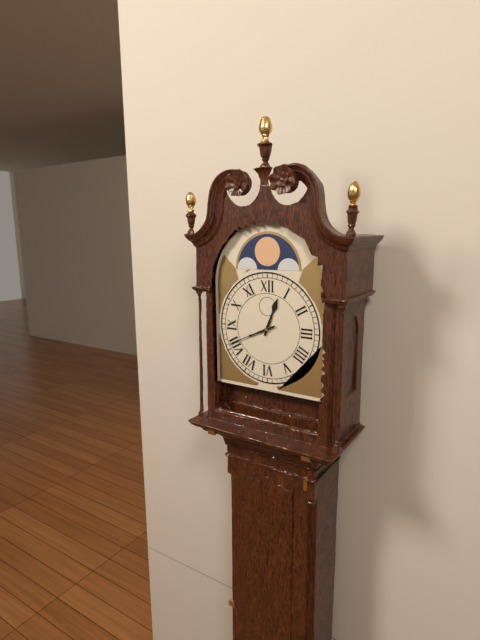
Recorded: 12 h 41 min
